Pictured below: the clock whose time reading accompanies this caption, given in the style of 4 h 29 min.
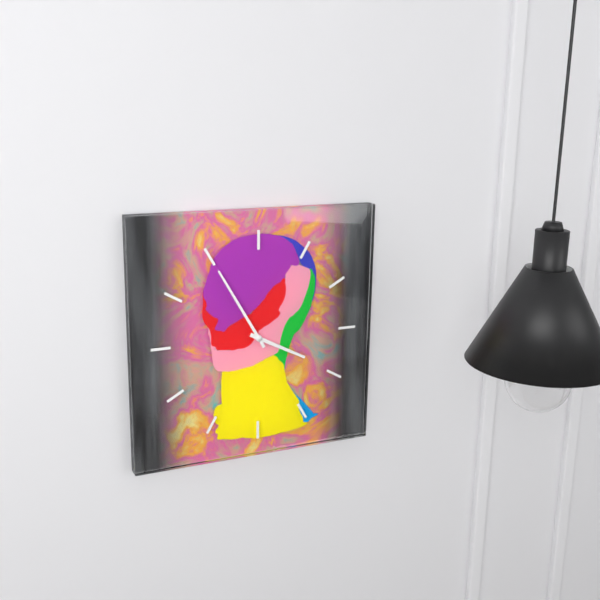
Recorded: 3 h 55 min
